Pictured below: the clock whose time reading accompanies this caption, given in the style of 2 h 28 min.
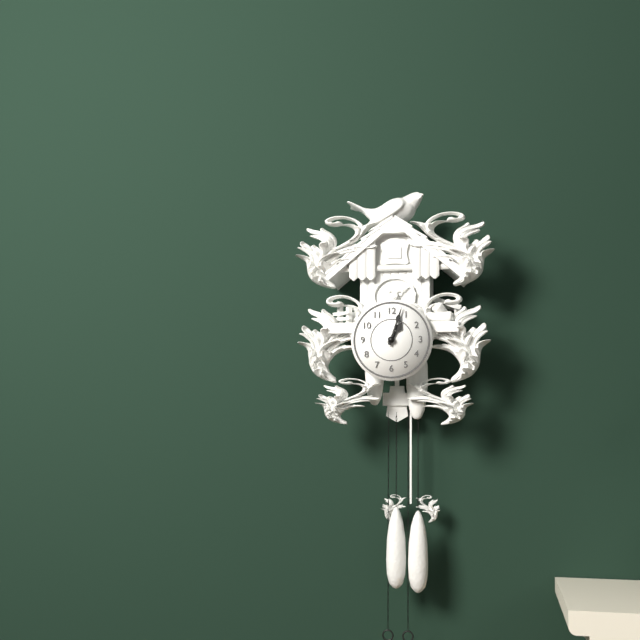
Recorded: 1 h 03 min
